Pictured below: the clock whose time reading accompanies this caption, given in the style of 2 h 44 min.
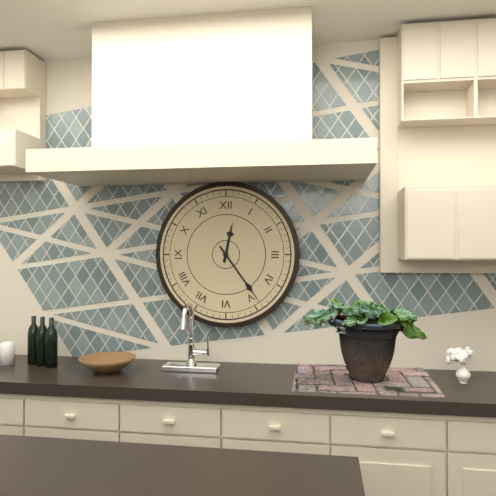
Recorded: 12 h 24 min
